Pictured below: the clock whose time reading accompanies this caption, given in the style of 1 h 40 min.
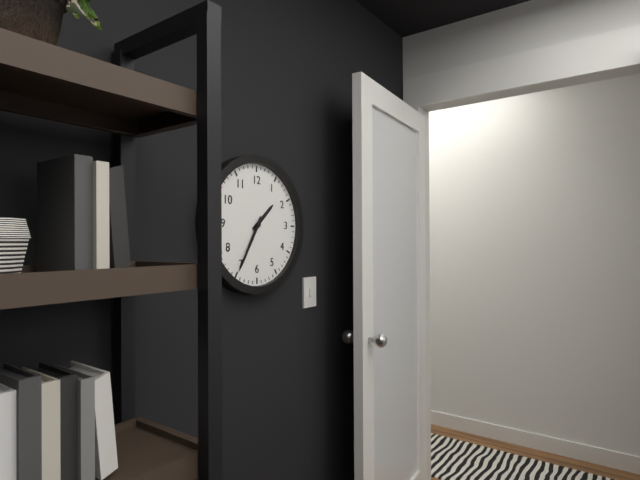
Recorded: 1 h 35 min
